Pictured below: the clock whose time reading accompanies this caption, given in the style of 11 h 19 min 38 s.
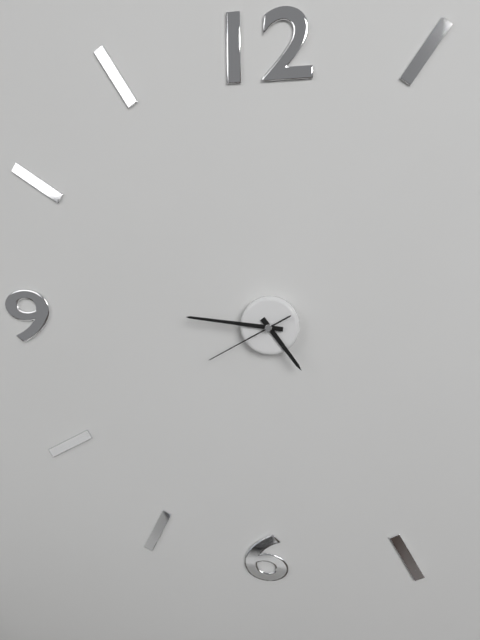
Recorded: 4 h 46 min 40 s
